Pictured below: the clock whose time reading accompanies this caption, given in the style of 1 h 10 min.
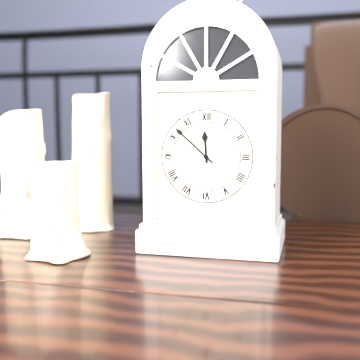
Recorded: 11 h 52 min
